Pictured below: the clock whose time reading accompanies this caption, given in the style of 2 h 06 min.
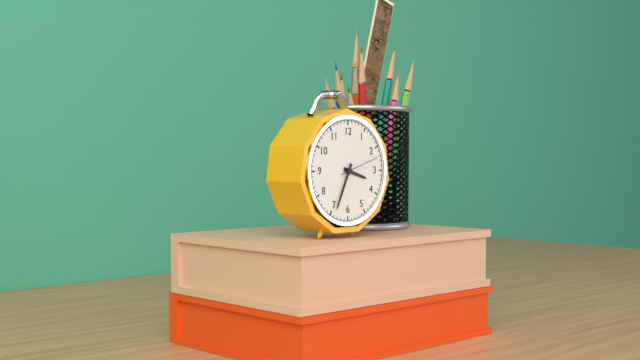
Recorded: 3 h 34 min
